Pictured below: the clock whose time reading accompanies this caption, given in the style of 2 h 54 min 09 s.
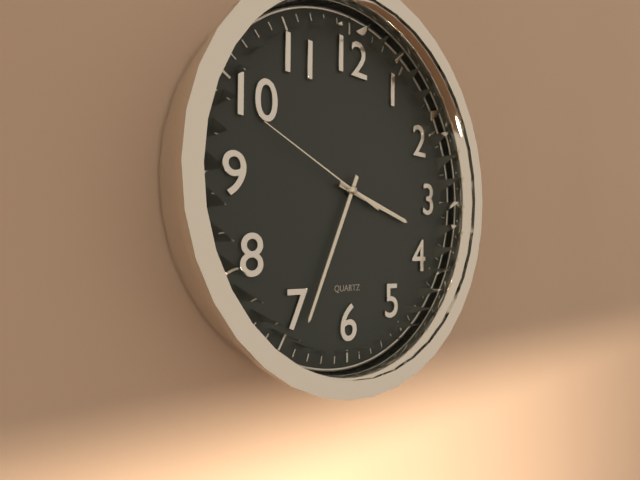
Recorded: 3 h 34 min 49 s
